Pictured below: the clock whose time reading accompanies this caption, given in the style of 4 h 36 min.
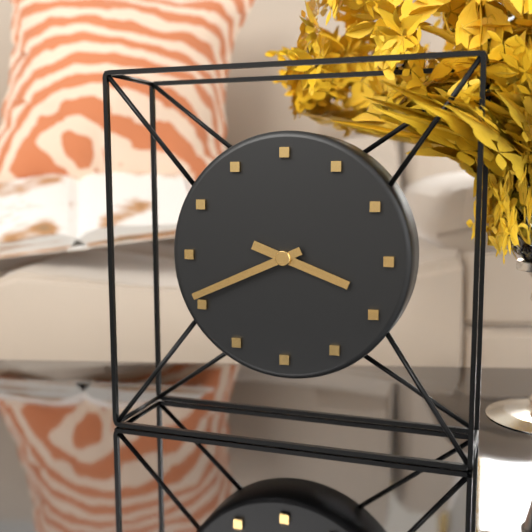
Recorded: 3 h 41 min
